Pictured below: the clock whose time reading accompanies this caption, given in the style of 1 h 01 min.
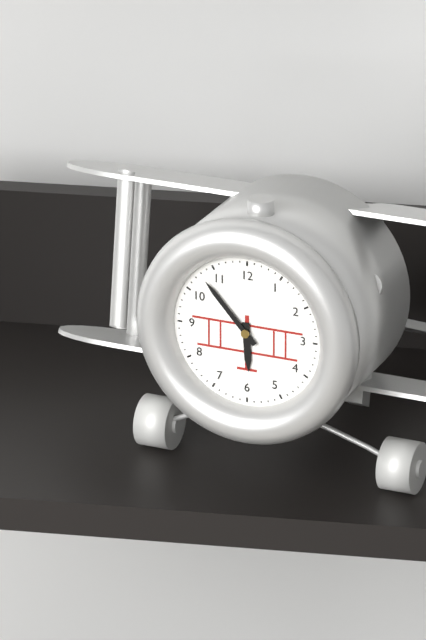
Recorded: 5 h 53 min
